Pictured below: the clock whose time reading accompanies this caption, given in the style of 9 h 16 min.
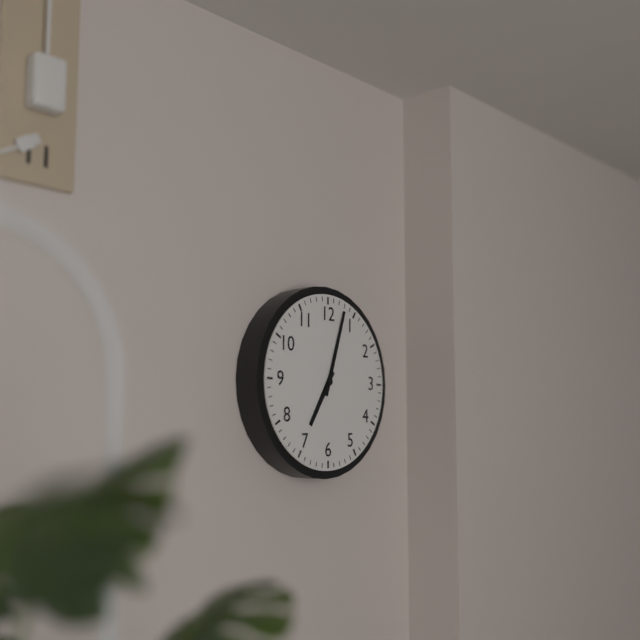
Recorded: 7 h 03 min
